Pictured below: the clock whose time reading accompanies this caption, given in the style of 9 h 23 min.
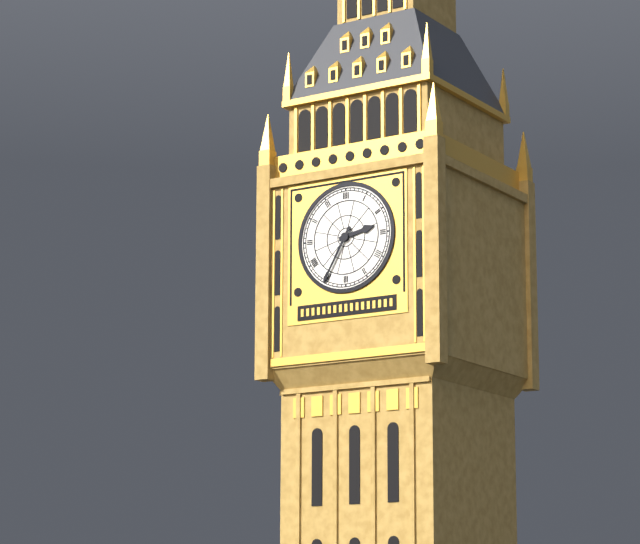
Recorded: 2 h 35 min
